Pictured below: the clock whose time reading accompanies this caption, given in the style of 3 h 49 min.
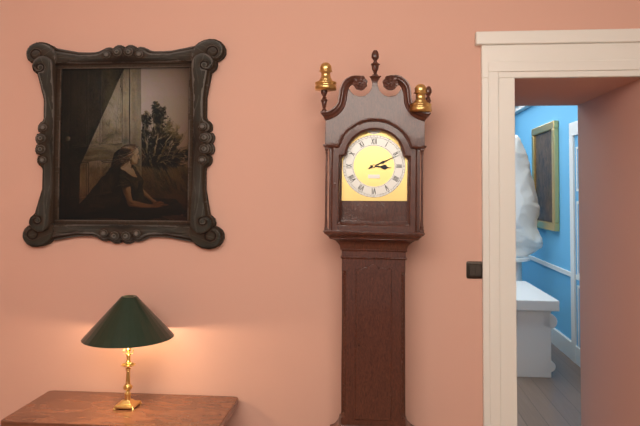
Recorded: 3 h 11 min
